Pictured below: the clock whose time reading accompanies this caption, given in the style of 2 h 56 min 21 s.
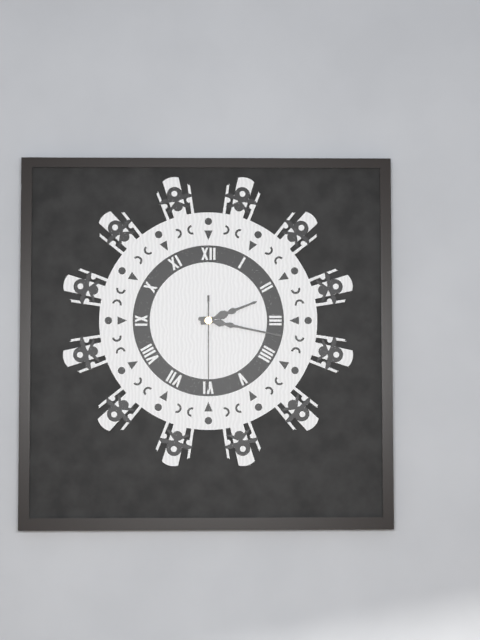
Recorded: 2 h 17 min 30 s
